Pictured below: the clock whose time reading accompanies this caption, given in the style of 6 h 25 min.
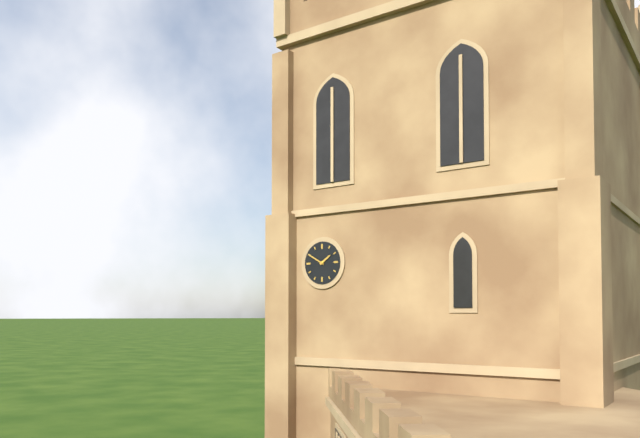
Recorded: 1 h 50 min
